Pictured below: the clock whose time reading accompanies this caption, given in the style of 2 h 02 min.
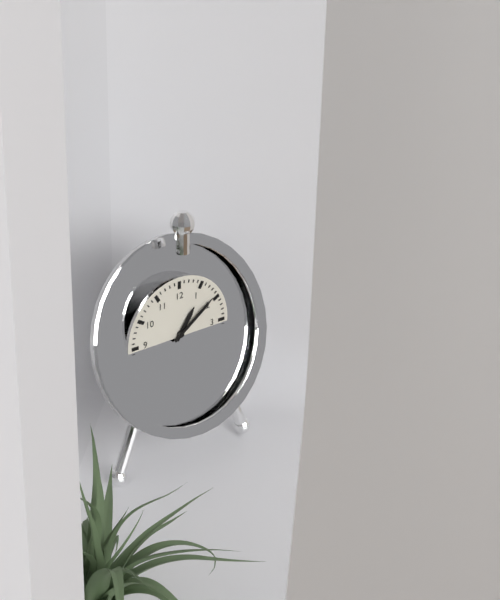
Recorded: 1 h 09 min
